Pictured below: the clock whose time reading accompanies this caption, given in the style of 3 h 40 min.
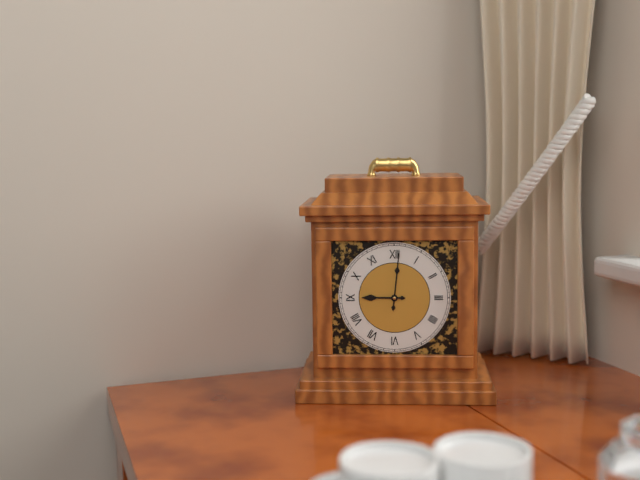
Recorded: 9 h 01 min
